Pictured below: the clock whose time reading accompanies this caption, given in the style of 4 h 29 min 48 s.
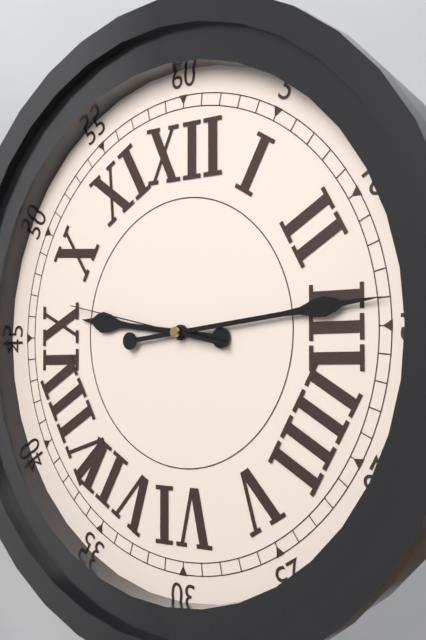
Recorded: 9 h 14 min 47 s
